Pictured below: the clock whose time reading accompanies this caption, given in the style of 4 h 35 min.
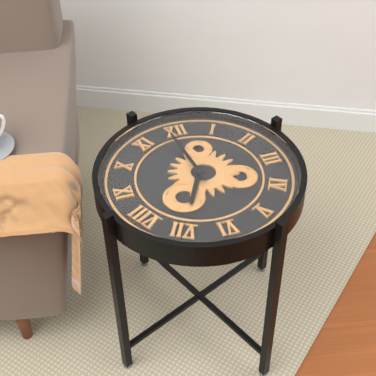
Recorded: 6 h 59 min
